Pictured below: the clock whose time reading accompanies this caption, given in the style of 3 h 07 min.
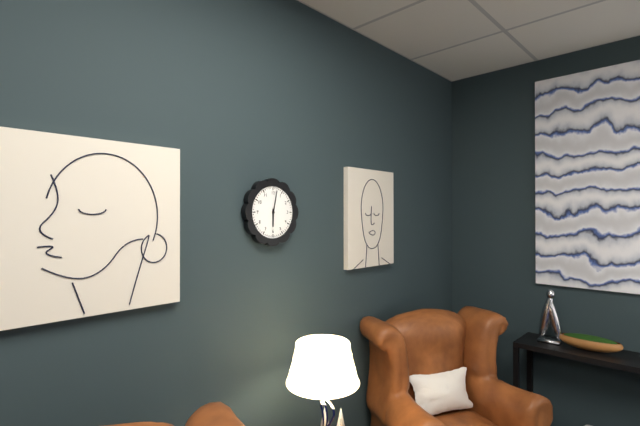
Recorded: 6 h 02 min
